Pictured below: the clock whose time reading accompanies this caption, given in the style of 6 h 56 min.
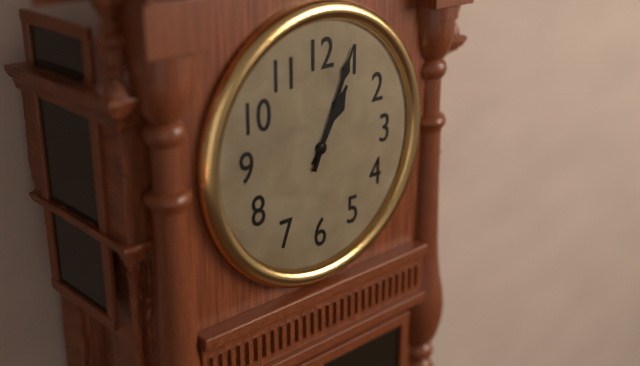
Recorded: 1 h 04 min
